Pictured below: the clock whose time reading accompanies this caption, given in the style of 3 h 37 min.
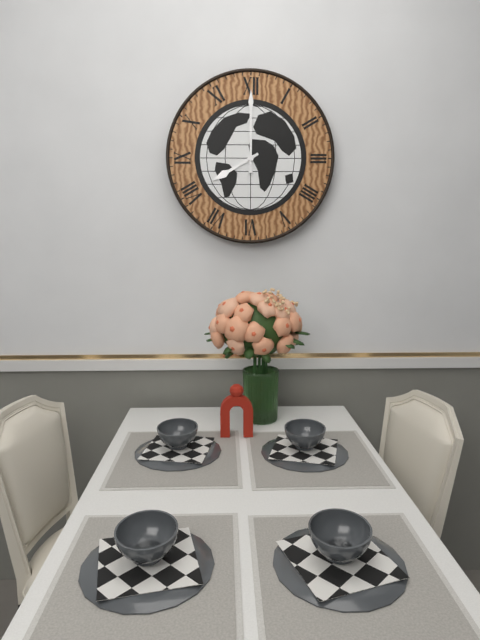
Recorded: 8 h 00 min
